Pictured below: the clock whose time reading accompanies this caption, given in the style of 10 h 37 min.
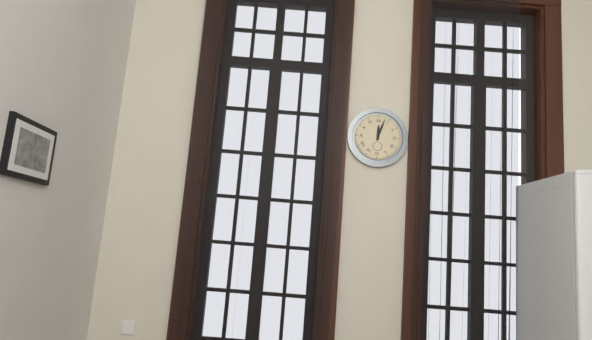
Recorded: 12 h 03 min
